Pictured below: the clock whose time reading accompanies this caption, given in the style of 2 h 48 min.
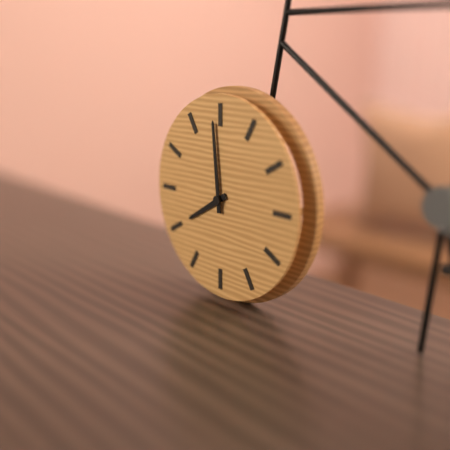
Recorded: 7 h 59 min
